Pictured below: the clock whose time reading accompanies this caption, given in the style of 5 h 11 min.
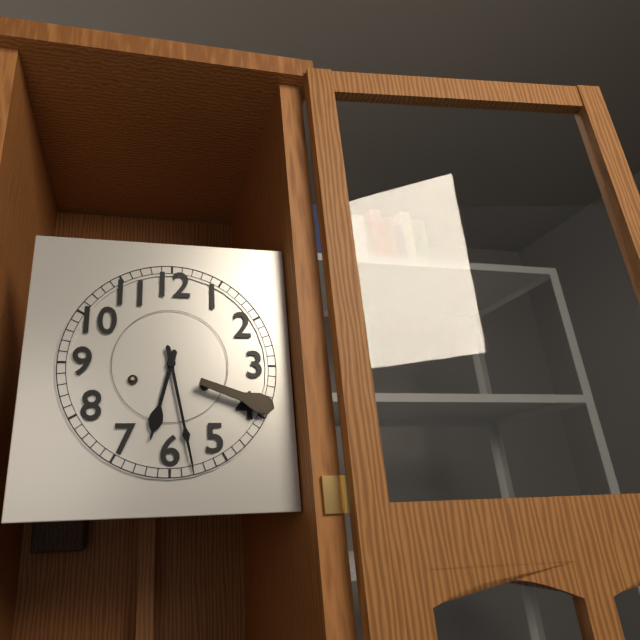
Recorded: 6 h 28 min
